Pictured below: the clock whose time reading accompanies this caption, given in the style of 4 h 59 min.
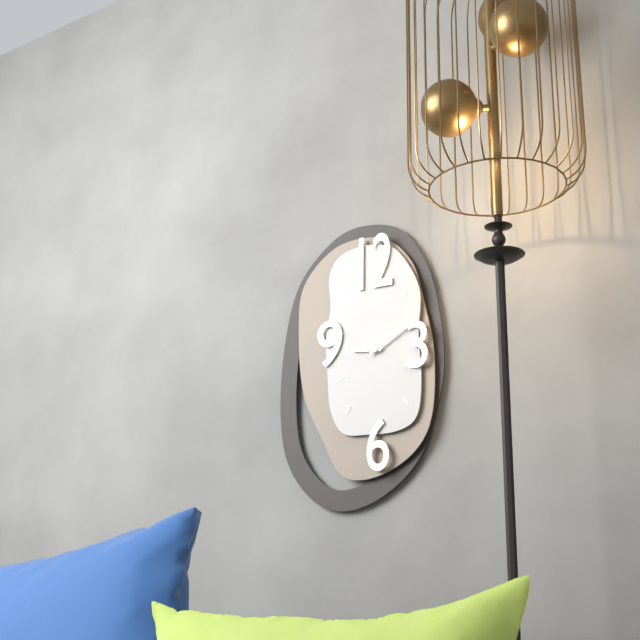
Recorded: 9 h 10 min
